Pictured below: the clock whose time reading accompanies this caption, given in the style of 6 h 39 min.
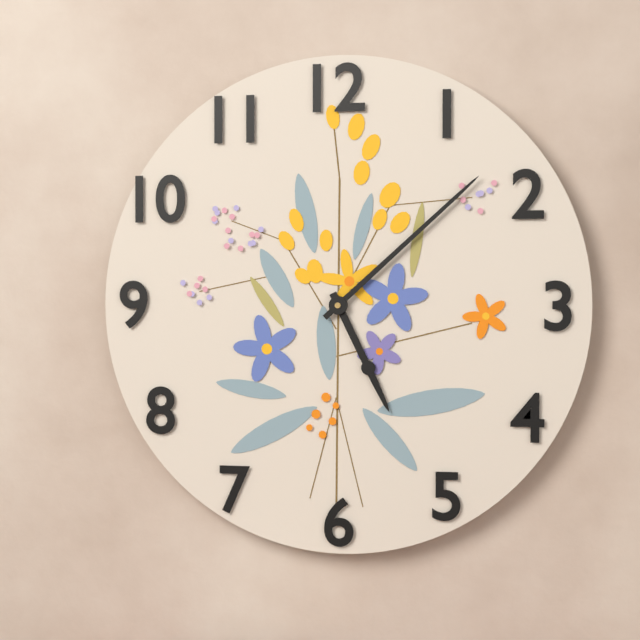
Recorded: 5 h 08 min
